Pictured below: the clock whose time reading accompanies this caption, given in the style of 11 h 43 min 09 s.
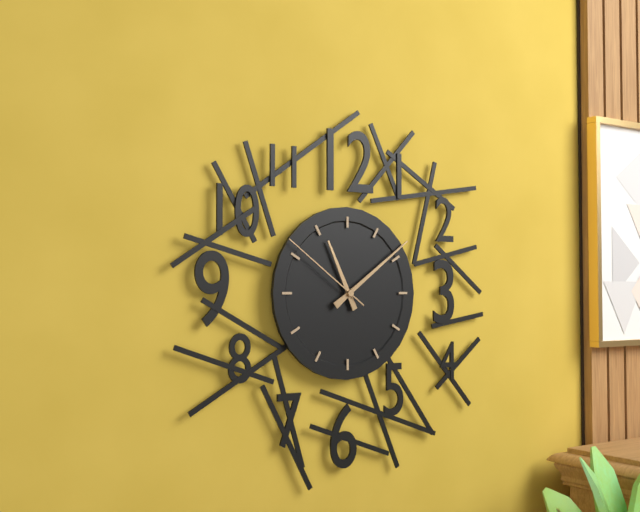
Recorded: 11 h 09 min 51 s
